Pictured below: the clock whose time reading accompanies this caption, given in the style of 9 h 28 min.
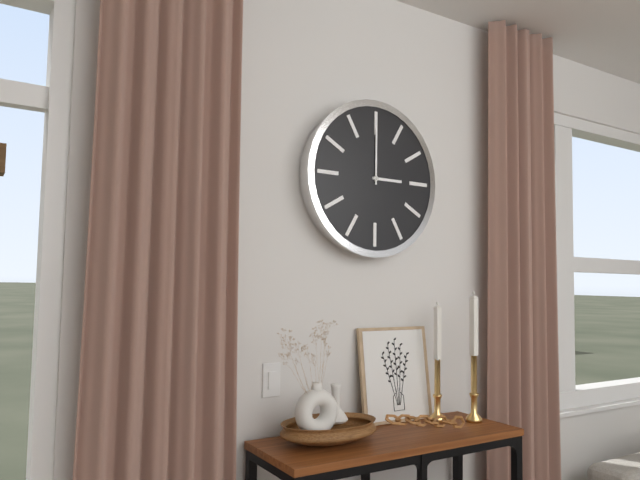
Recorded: 3 h 00 min
